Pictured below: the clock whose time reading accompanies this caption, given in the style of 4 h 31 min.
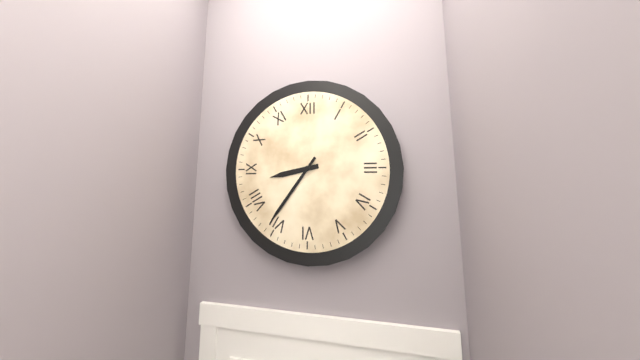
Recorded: 8 h 36 min
